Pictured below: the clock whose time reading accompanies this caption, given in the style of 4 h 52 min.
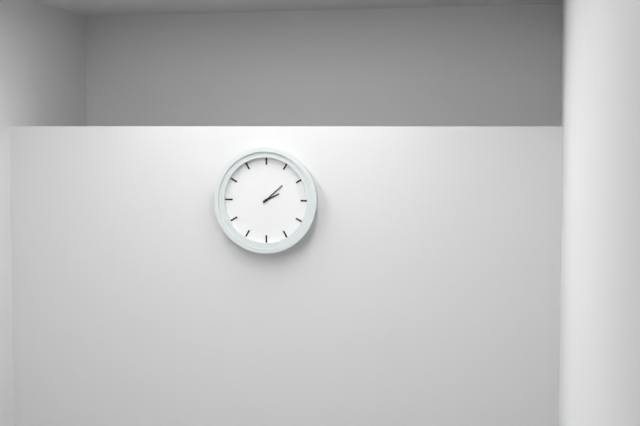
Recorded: 2 h 08 min
